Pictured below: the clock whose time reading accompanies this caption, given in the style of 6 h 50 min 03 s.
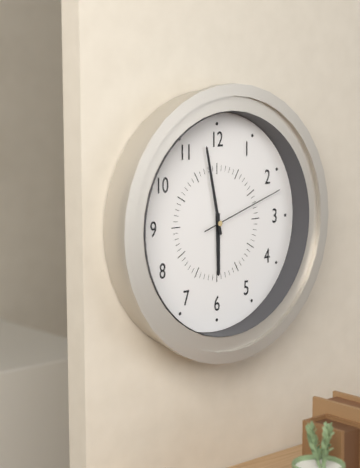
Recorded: 5 h 58 min 12 s
